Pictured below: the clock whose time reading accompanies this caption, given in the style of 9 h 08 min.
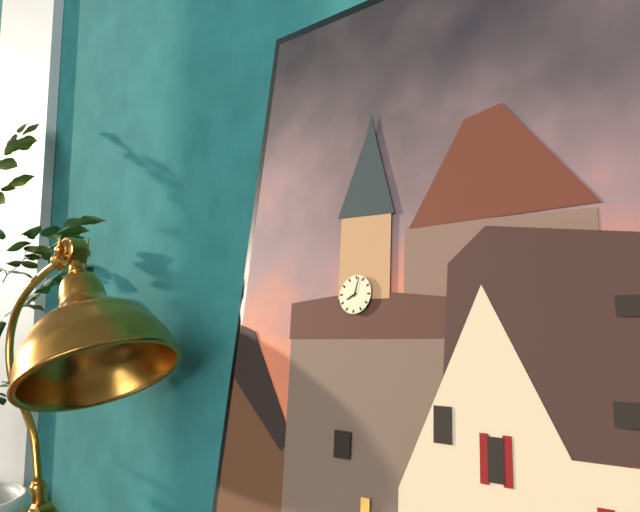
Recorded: 8 h 02 min
